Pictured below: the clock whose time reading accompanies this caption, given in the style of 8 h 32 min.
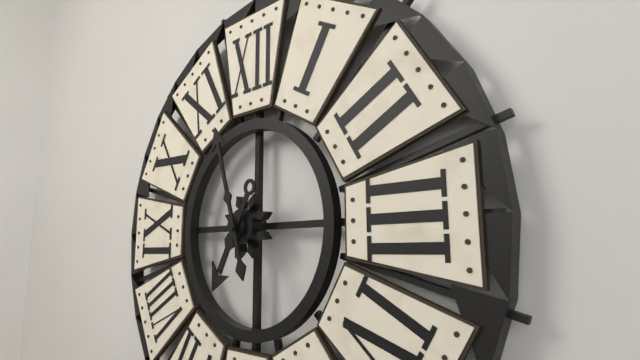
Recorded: 6 h 57 min
